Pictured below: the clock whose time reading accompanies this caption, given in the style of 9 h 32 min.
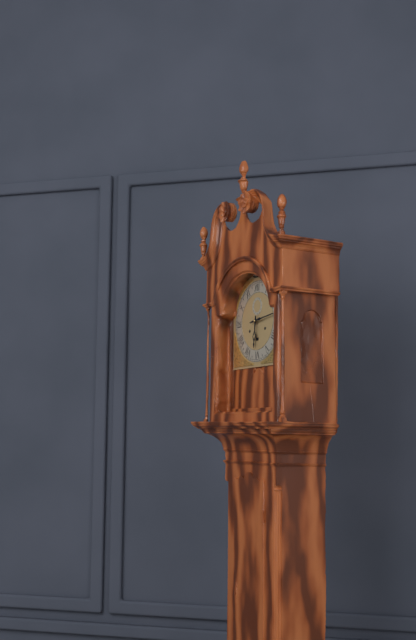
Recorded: 6 h 14 min
